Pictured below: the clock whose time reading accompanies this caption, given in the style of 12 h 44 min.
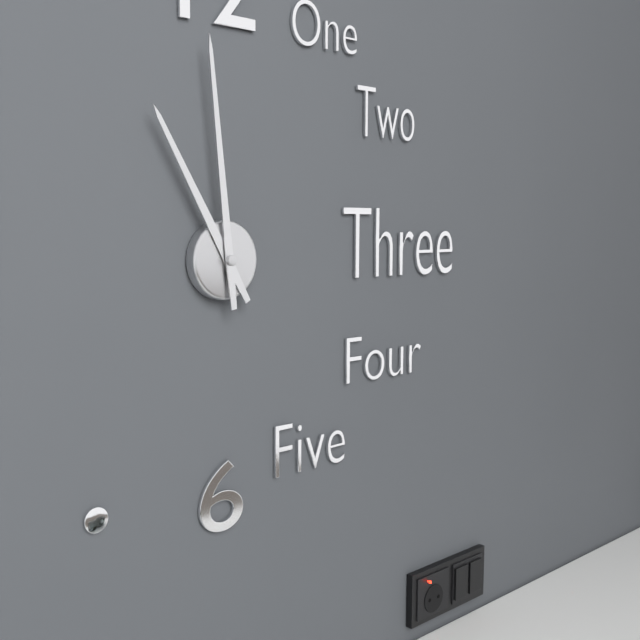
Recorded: 10 h 59 min
